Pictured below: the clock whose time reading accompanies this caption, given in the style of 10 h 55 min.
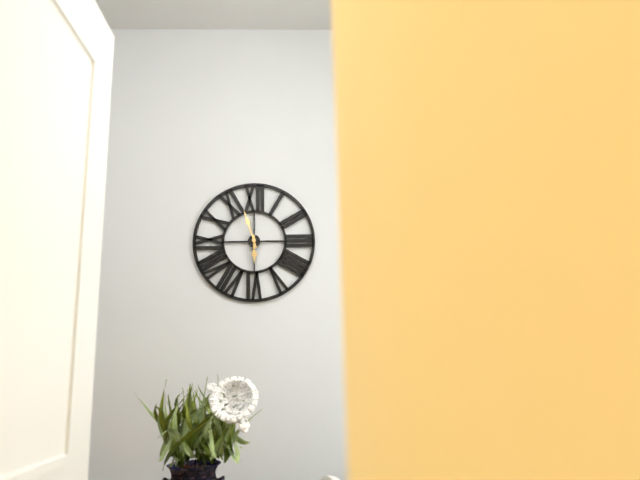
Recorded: 5 h 57 min
